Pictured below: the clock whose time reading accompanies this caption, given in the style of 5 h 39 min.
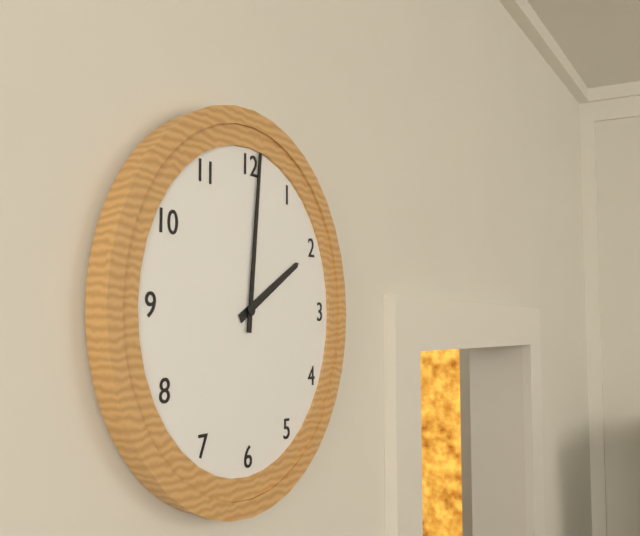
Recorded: 2 h 01 min
